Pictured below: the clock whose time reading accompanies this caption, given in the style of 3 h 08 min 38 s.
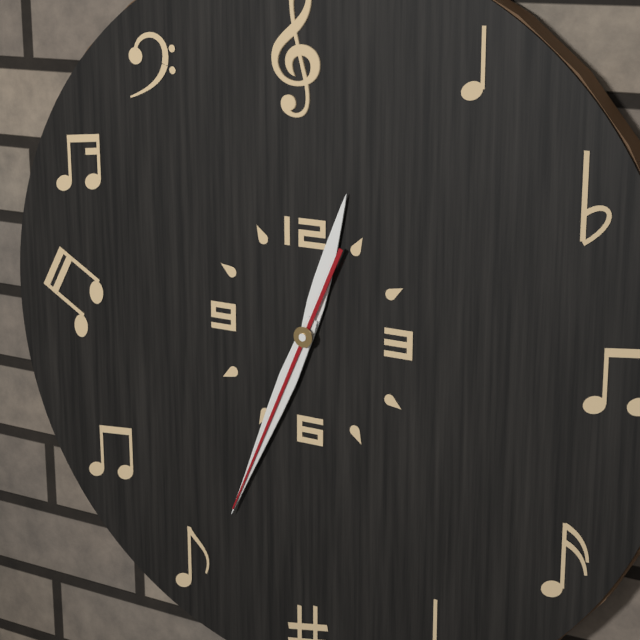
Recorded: 12 h 34 min 34 s
